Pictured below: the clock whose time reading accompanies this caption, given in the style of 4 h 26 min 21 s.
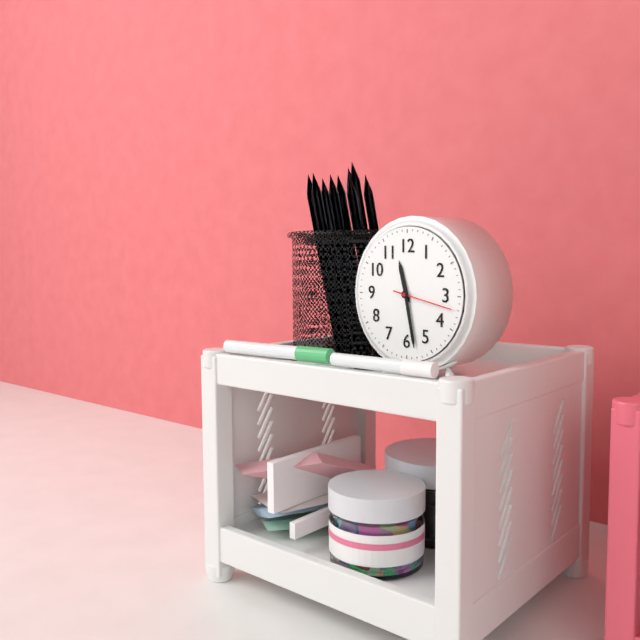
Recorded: 11 h 28 min 17 s
